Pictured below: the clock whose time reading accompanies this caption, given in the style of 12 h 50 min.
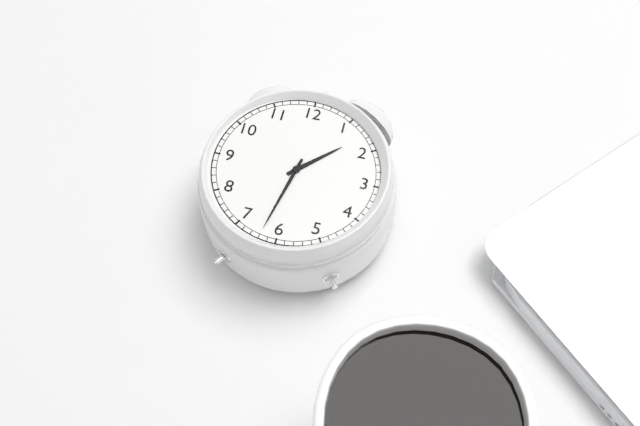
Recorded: 1 h 32 min
